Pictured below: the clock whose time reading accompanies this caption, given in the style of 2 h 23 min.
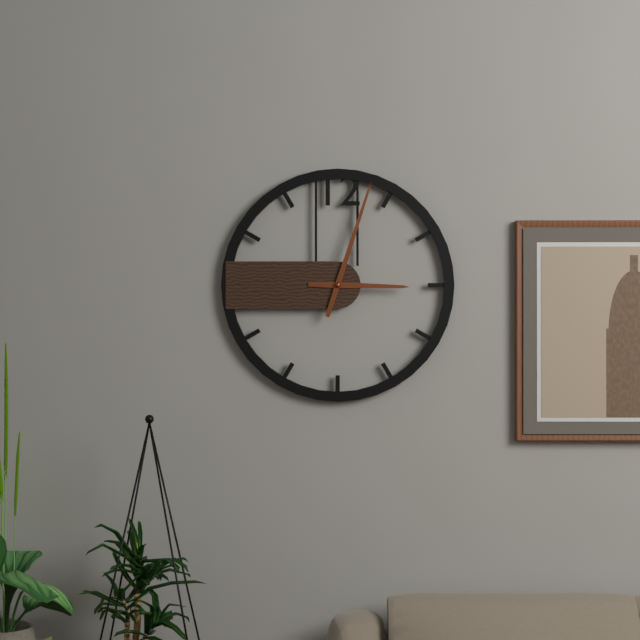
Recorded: 3 h 03 min
